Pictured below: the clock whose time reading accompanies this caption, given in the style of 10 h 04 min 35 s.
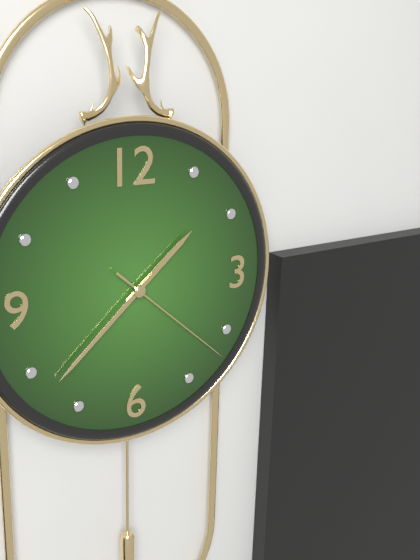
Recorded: 1 h 38 min 22 s
